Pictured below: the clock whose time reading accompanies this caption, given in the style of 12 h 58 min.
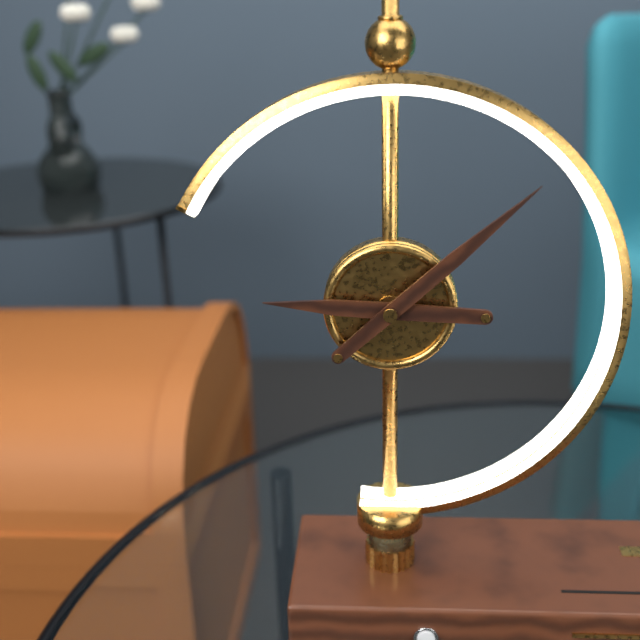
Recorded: 9 h 08 min
